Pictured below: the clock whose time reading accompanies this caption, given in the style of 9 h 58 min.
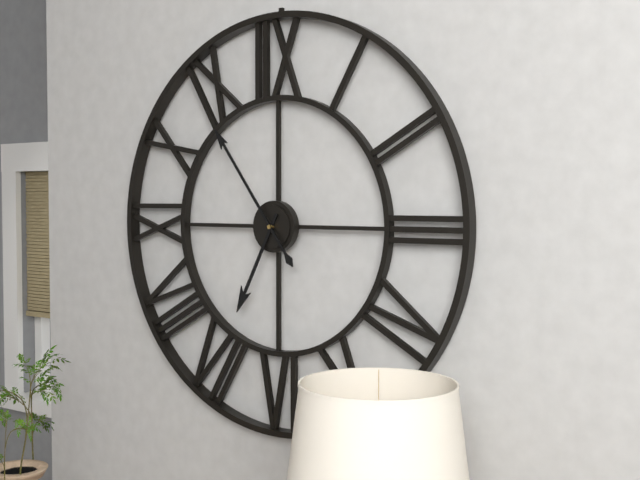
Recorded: 6 h 54 min
